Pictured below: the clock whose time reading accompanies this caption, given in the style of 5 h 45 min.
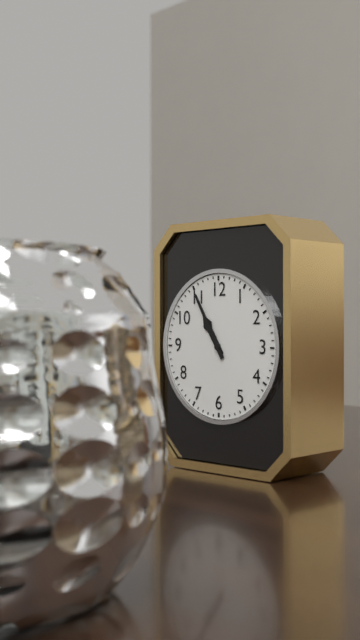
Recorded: 10 h 55 min
